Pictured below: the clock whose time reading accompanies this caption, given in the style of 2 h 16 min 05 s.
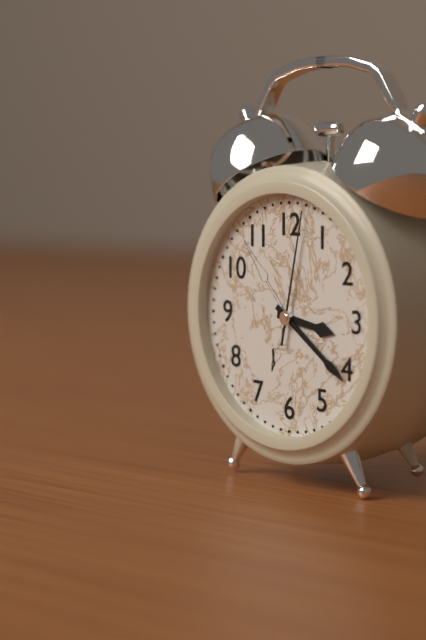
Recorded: 3 h 21 min 02 s
